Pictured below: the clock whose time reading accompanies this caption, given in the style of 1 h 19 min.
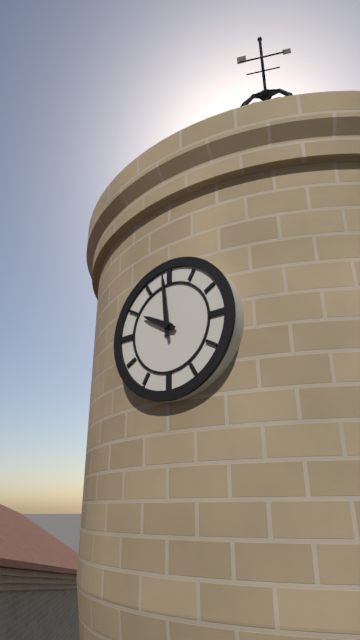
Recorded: 9 h 59 min
